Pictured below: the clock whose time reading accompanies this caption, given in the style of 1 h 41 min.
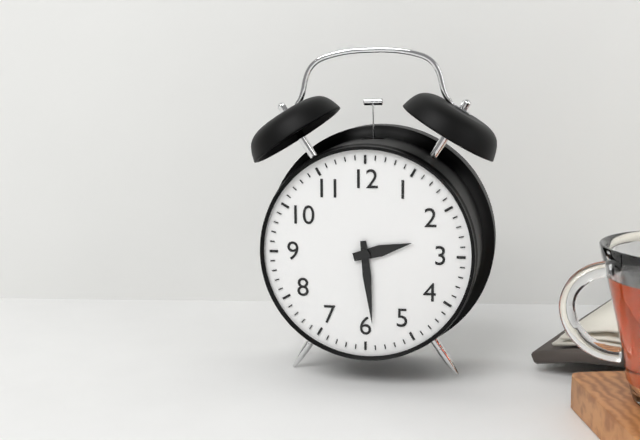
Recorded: 2 h 29 min
